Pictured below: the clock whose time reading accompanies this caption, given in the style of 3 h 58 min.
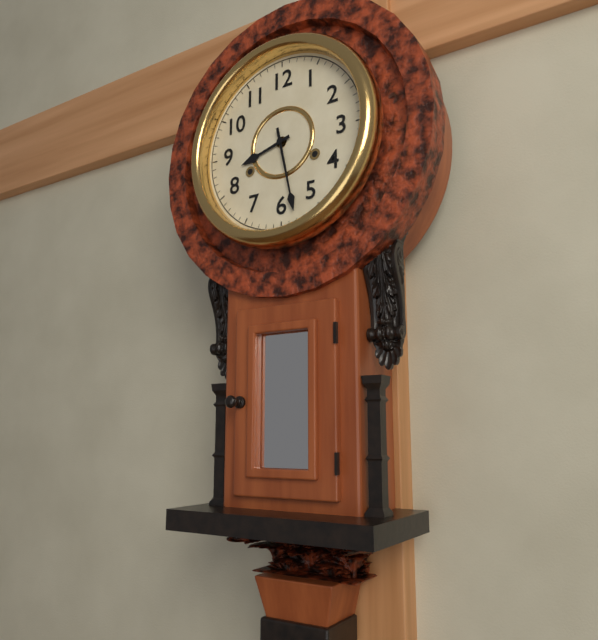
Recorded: 8 h 28 min
